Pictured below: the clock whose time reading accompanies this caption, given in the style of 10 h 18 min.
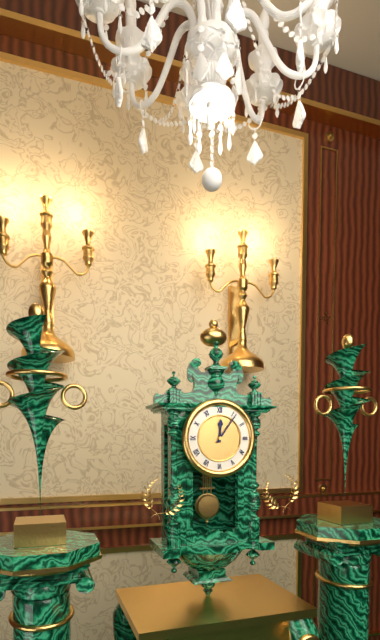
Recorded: 12 h 06 min
